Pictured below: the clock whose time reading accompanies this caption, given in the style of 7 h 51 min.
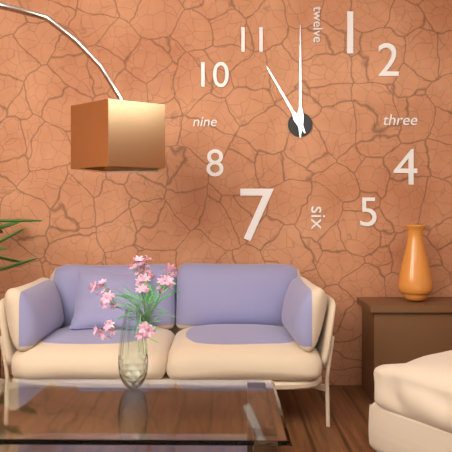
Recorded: 11 h 00 min
